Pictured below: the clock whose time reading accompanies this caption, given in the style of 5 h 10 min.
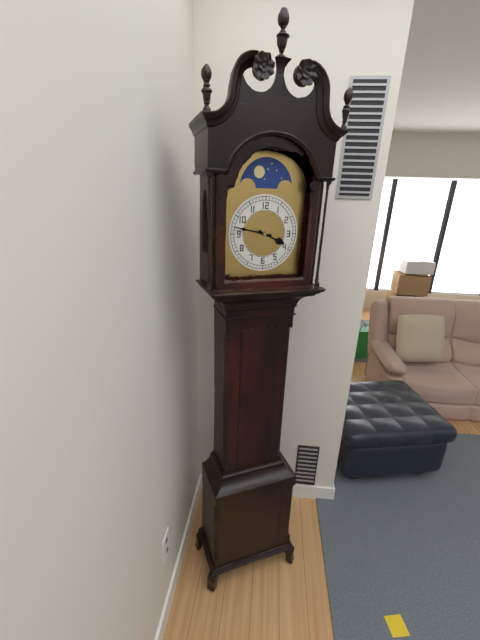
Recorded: 3 h 47 min
